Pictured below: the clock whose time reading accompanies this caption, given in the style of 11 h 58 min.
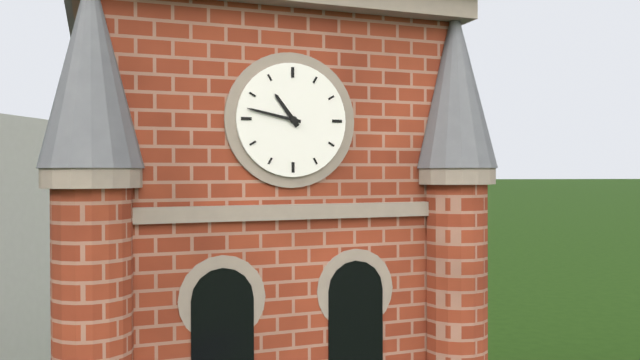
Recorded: 10 h 47 min
